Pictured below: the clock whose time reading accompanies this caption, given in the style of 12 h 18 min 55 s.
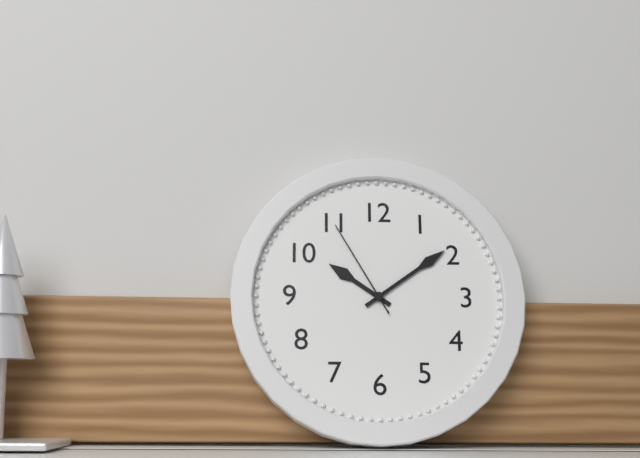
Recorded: 10 h 09 min 55 s
